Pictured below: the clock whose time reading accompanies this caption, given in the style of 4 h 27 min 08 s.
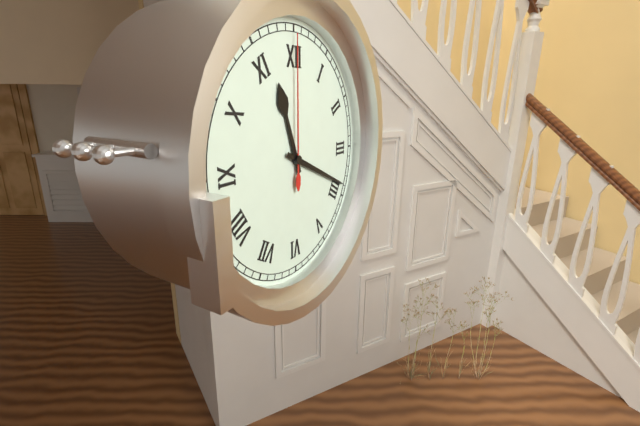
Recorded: 11 h 19 min 00 s
